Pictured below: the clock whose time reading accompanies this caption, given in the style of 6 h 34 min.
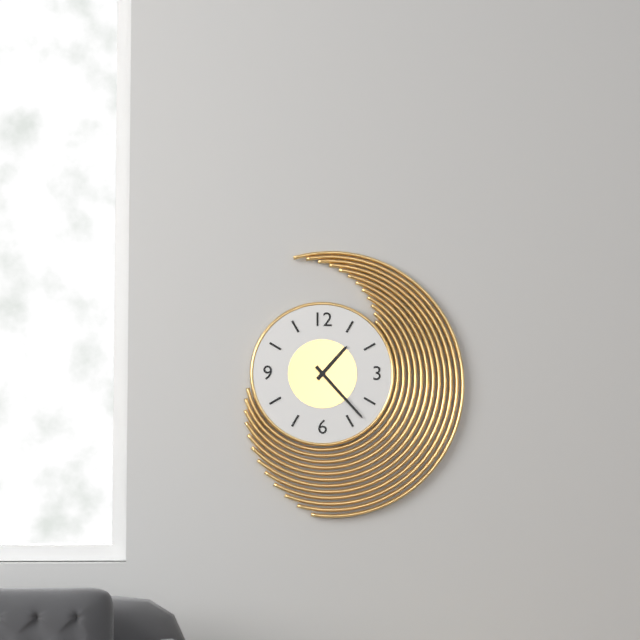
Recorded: 1 h 23 min
